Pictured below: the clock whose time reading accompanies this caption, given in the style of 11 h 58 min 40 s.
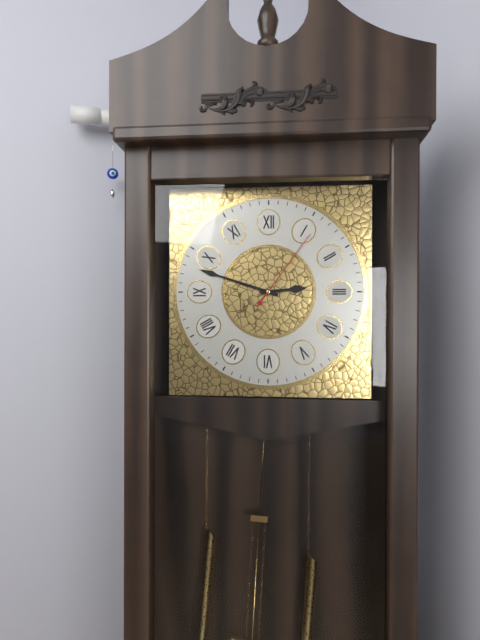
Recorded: 2 h 48 min 06 s
